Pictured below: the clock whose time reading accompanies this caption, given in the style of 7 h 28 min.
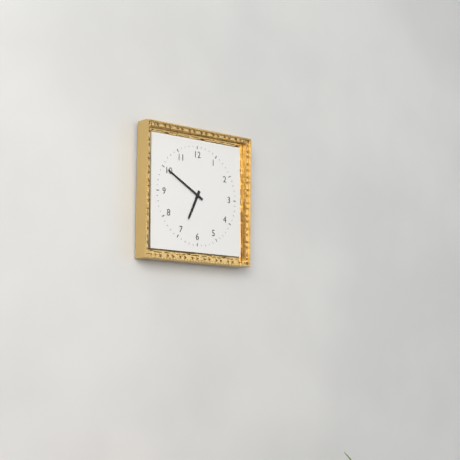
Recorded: 6 h 50 min
